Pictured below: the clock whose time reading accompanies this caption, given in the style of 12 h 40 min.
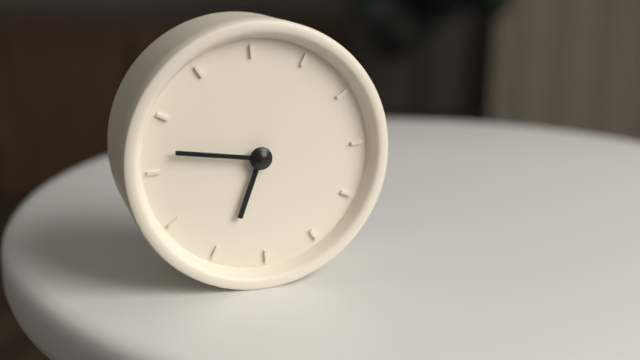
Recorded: 6 h 47 min
